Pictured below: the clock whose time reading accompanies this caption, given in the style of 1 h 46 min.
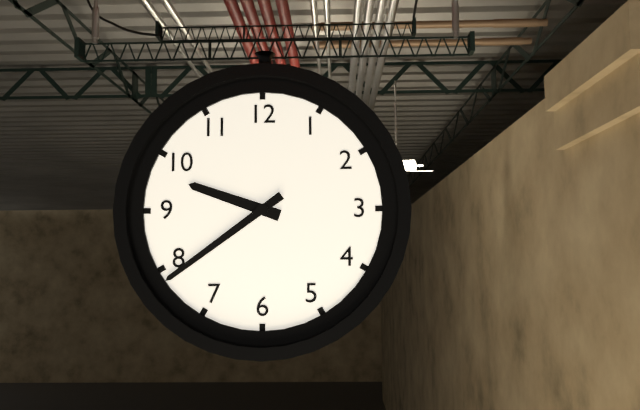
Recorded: 9 h 39 min
